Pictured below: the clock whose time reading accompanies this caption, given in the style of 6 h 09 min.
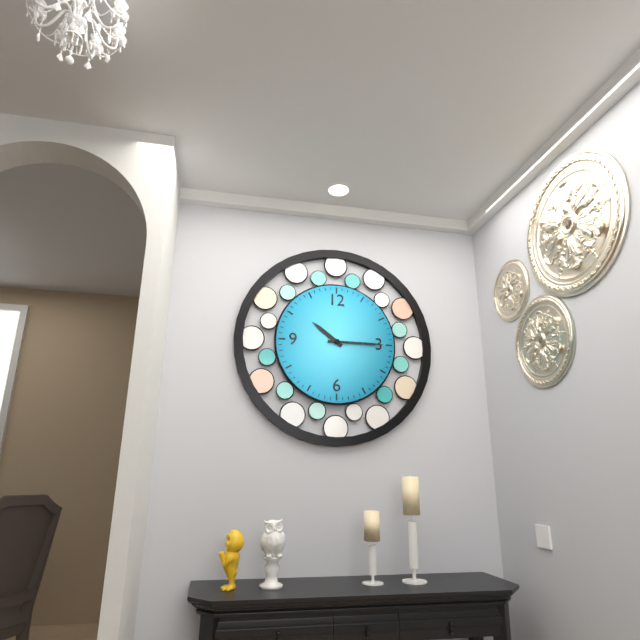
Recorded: 10 h 15 min
